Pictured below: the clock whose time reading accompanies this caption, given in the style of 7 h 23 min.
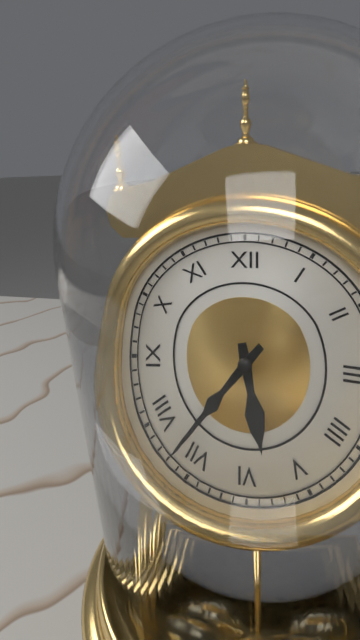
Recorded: 5 h 37 min
